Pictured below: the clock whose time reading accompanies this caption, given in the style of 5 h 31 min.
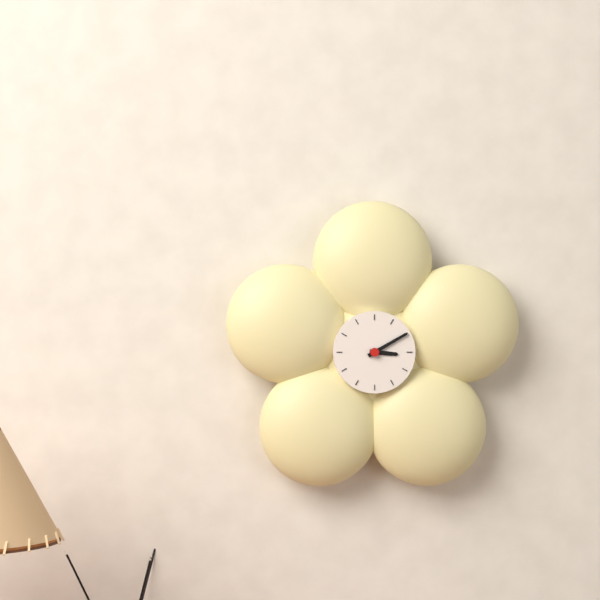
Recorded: 3 h 10 min
